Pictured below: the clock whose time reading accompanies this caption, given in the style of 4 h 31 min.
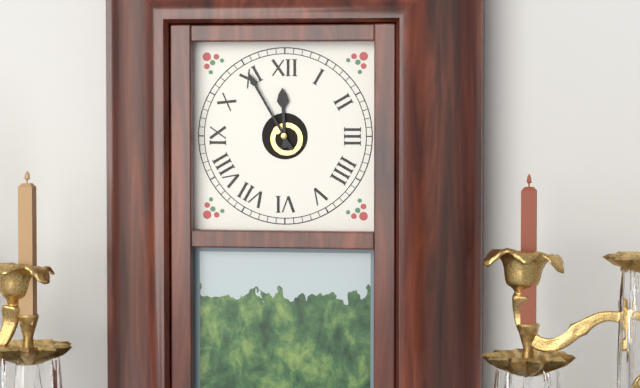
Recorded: 11 h 55 min
